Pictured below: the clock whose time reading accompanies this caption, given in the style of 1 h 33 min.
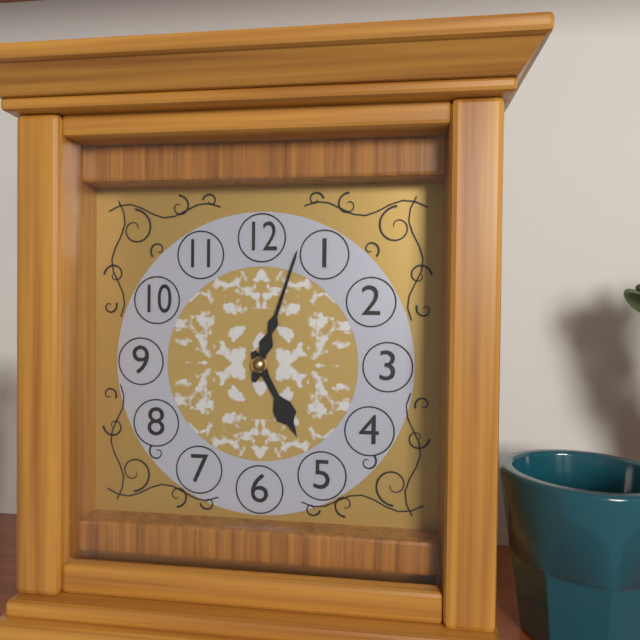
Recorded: 5 h 03 min
